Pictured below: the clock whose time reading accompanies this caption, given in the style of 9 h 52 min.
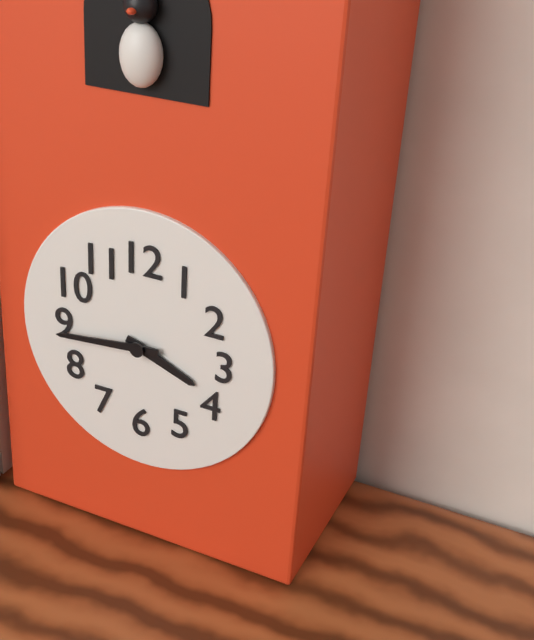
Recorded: 3 h 44 min
